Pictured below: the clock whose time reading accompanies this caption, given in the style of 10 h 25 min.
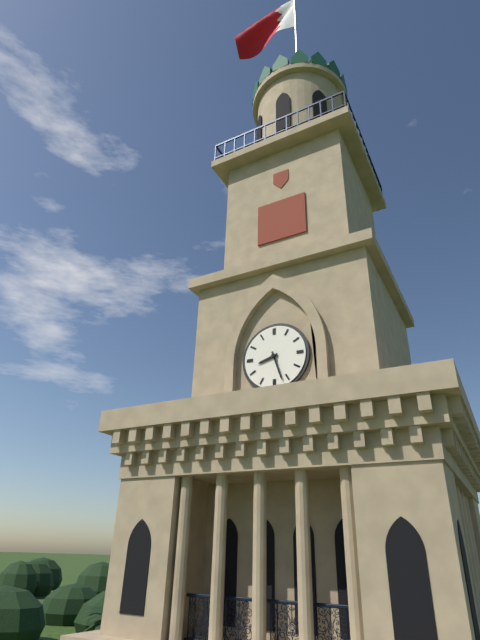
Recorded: 8 h 27 min
